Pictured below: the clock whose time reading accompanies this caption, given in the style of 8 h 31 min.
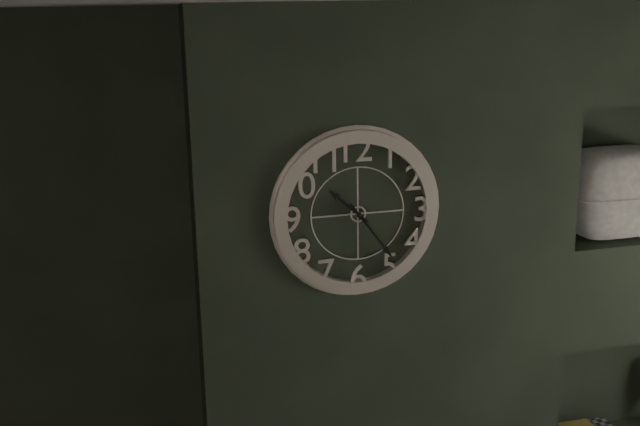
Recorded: 10 h 24 min
